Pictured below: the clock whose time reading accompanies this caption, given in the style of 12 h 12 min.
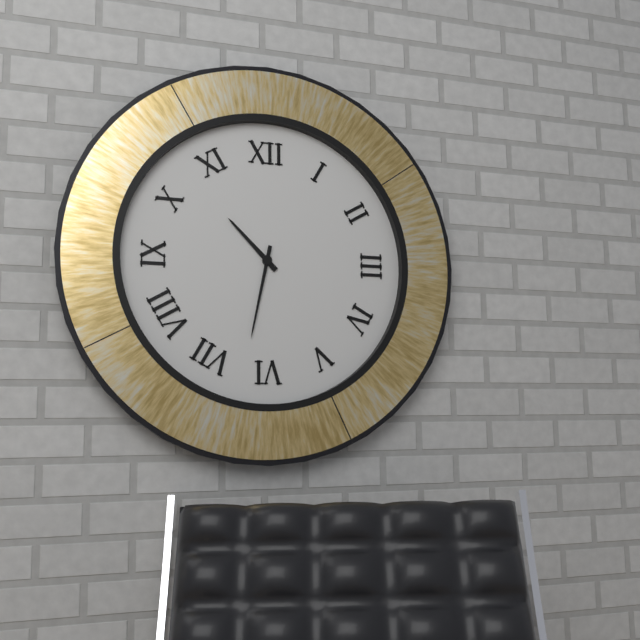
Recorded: 10 h 32 min
